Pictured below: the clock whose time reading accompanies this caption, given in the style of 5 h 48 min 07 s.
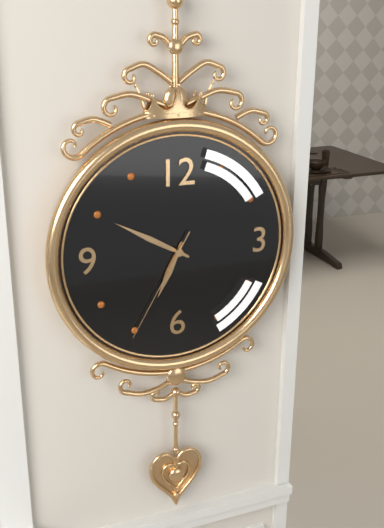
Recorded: 6 h 50 min 35 s
